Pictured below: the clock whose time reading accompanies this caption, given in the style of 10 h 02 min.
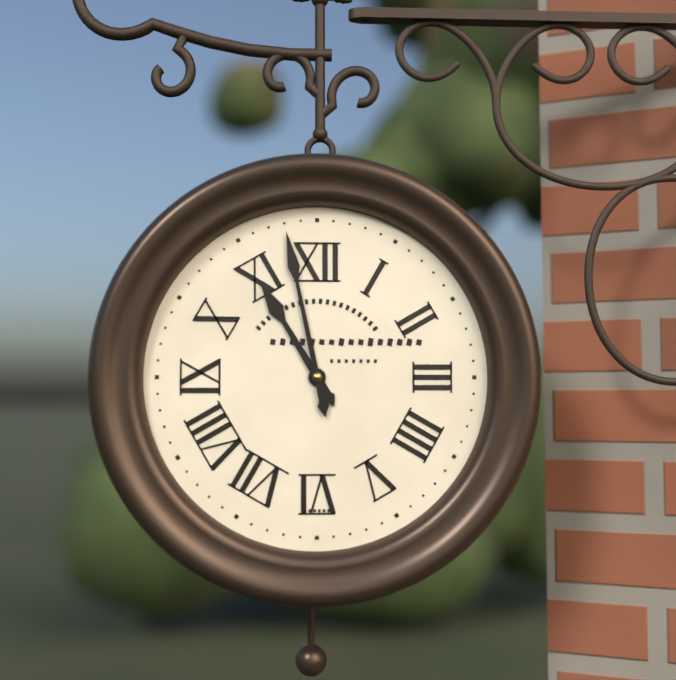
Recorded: 10 h 58 min
